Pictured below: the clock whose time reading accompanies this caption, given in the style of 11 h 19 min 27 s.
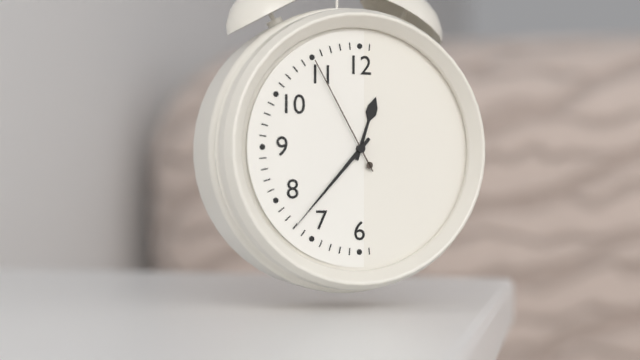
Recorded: 12 h 37 min 55 s
